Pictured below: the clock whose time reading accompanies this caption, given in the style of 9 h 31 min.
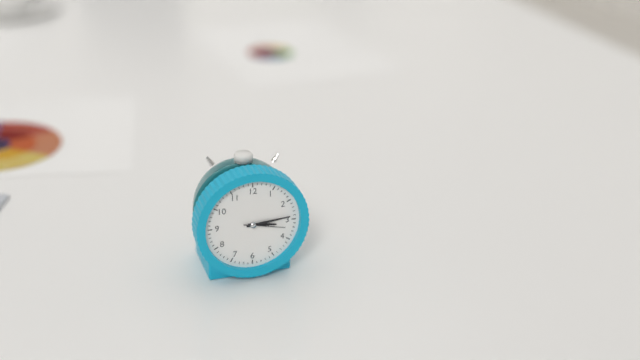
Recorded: 3 h 14 min
